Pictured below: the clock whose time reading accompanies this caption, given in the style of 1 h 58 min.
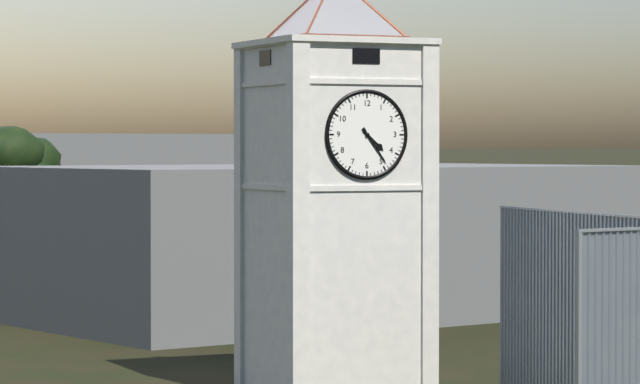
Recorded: 4 h 24 min
